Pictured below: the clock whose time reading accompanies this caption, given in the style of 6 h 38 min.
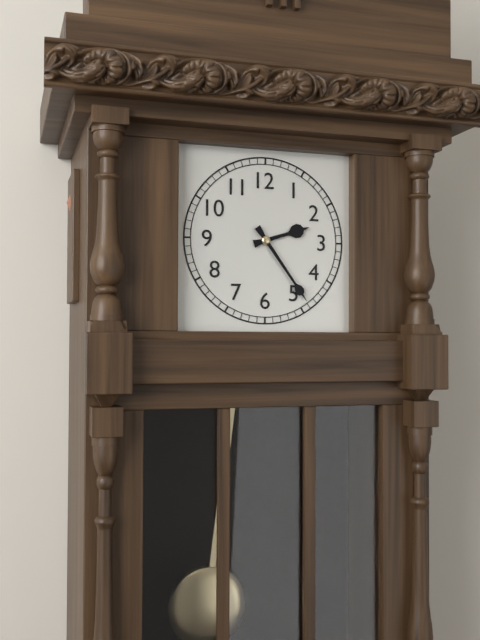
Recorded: 2 h 24 min
